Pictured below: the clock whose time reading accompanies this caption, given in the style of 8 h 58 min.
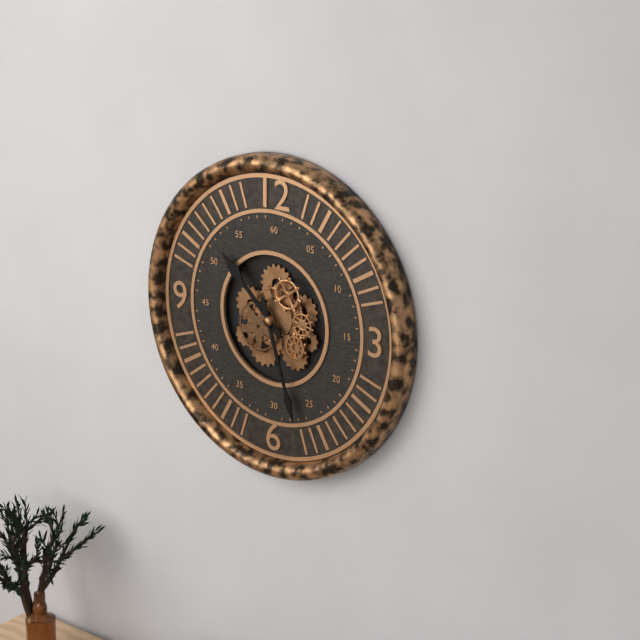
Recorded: 10 h 27 min
